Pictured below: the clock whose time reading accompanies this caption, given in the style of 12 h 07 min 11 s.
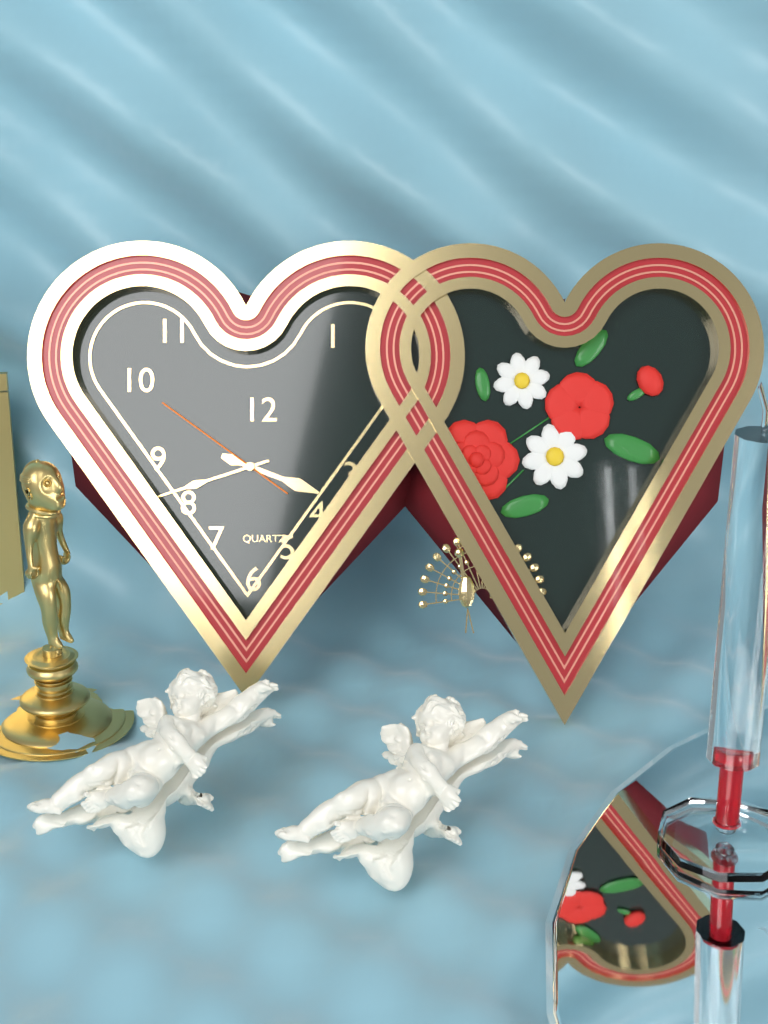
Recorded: 3 h 42 min 51 s
